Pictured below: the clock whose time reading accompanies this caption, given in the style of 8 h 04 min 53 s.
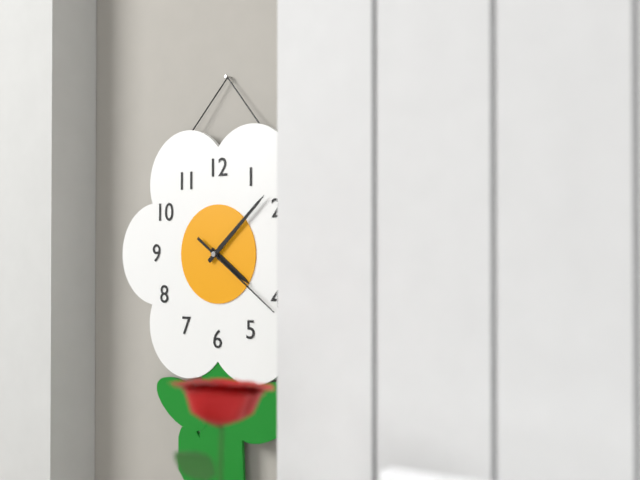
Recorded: 4 h 08 min 21 s
